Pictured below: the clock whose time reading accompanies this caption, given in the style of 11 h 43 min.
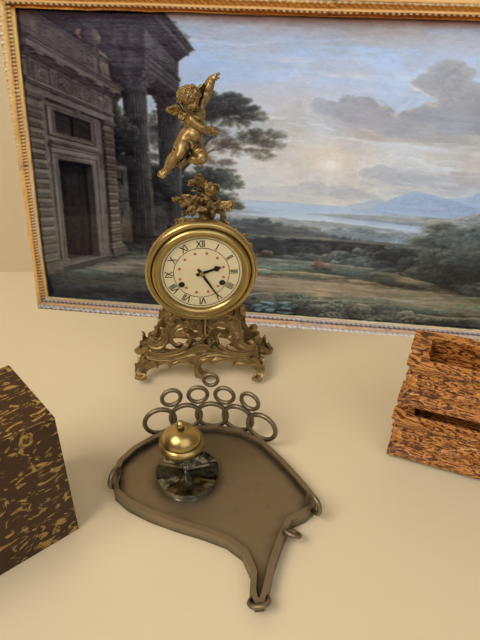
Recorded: 2 h 25 min
